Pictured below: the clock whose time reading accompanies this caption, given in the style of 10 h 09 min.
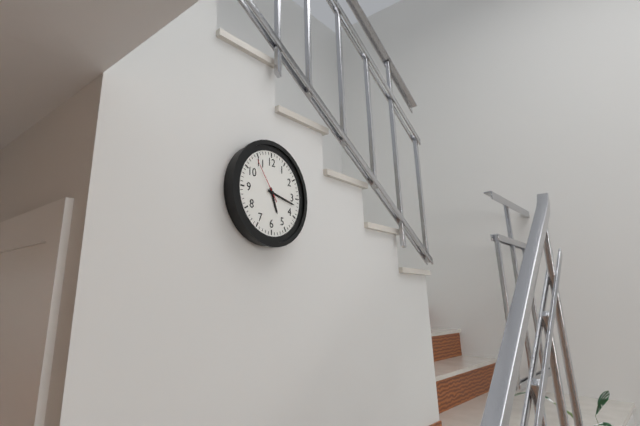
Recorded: 5 h 17 min
